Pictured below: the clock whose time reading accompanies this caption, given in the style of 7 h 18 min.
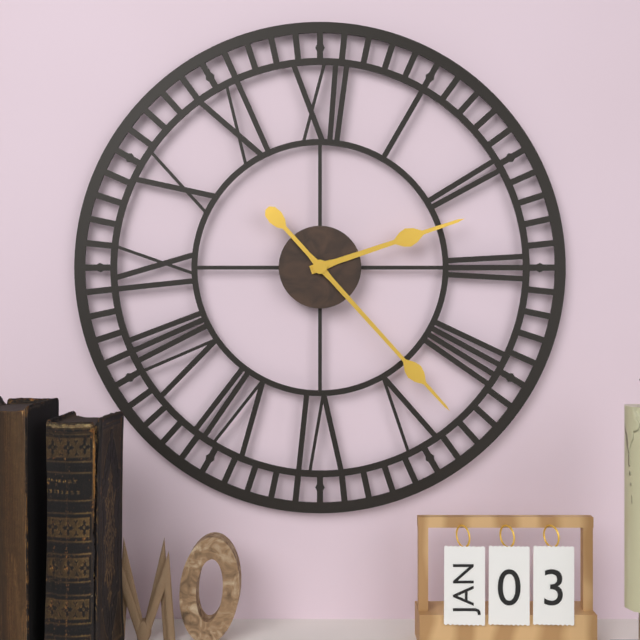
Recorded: 2 h 23 min
